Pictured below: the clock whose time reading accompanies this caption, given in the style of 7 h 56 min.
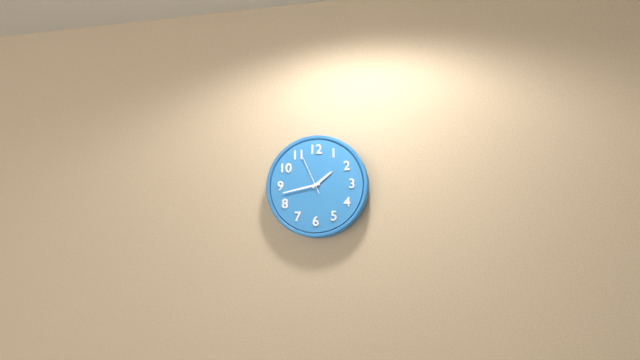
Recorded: 1 h 43 min
